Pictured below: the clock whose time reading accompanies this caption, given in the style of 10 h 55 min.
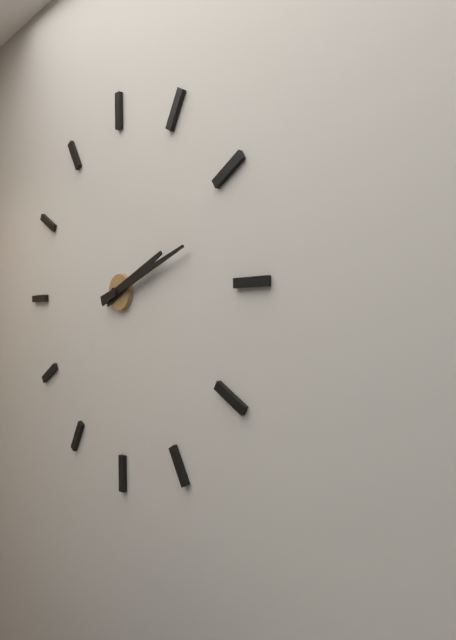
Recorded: 2 h 12 min
